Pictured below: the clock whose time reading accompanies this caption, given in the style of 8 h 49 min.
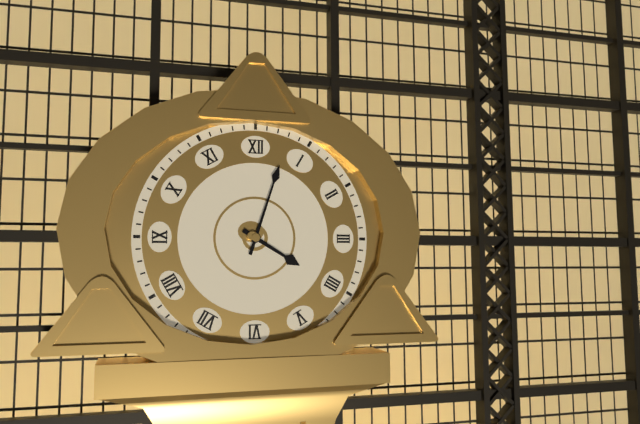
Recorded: 4 h 03 min
